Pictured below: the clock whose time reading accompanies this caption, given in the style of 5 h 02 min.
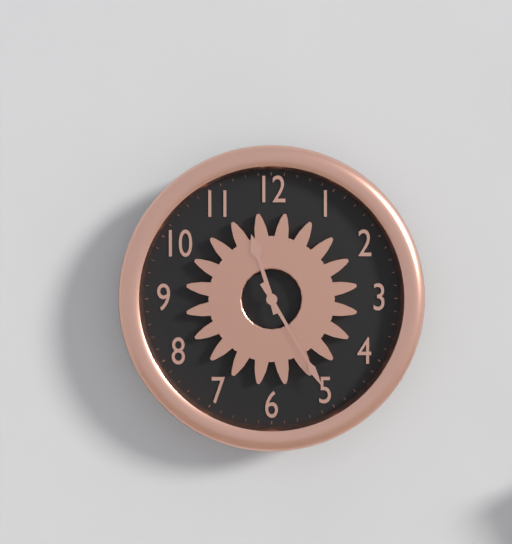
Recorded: 11 h 25 min
